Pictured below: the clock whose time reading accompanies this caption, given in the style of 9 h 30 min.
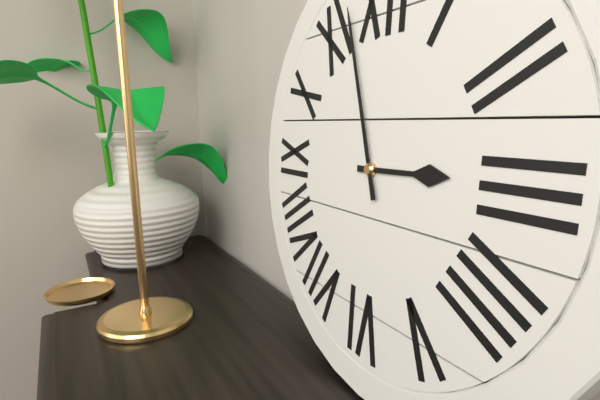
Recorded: 2 h 57 min
